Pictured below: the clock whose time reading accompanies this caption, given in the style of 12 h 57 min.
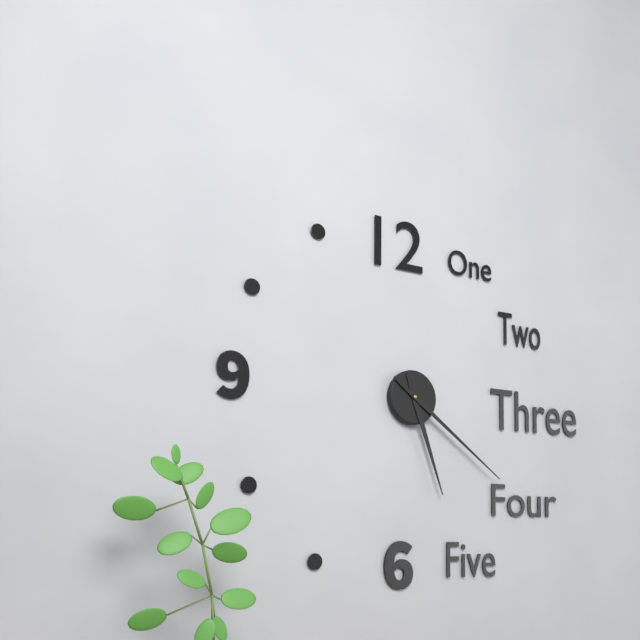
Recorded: 5 h 21 min
